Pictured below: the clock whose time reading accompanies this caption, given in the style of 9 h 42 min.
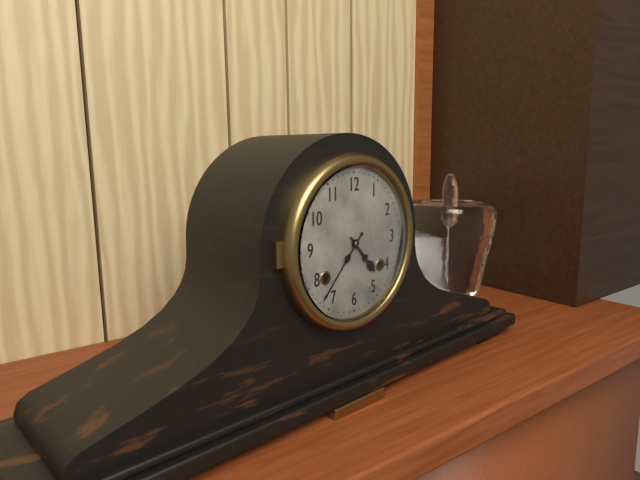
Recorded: 4 h 37 min
